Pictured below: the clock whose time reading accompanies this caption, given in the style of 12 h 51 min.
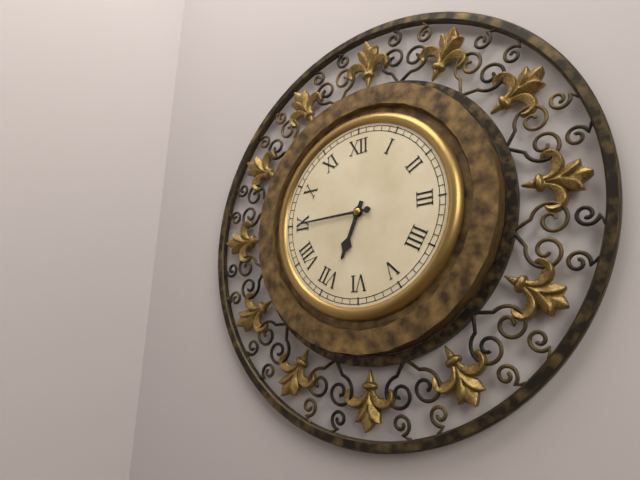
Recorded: 6 h 45 min
